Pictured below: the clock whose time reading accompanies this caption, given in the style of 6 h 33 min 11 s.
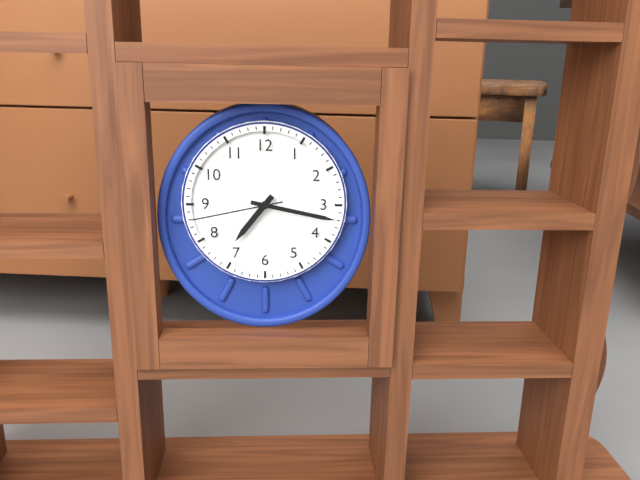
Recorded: 7 h 17 min 43 s
